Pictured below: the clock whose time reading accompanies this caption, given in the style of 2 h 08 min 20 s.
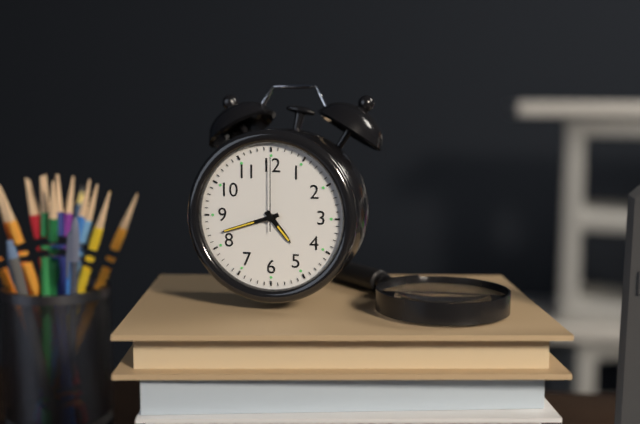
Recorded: 4 h 42 min 00 s
